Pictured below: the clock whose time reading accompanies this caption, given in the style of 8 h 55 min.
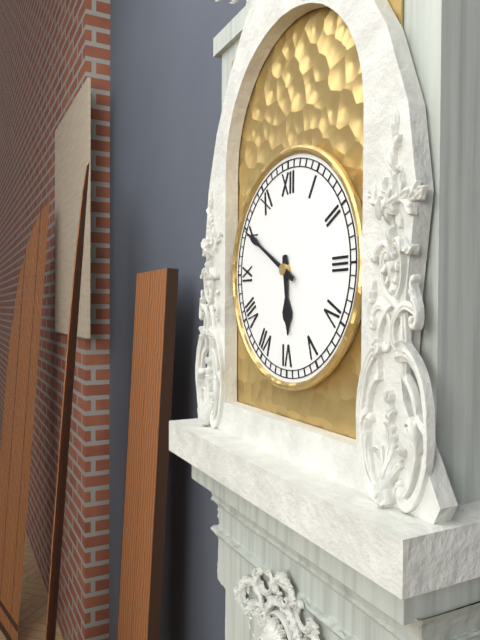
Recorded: 5 h 50 min
